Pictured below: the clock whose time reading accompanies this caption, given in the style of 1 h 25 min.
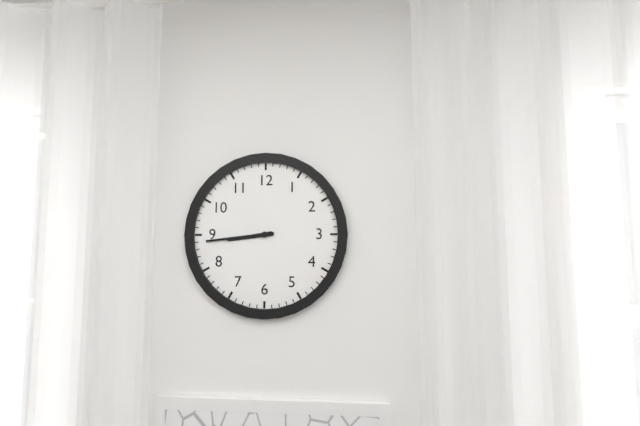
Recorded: 8 h 44 min
